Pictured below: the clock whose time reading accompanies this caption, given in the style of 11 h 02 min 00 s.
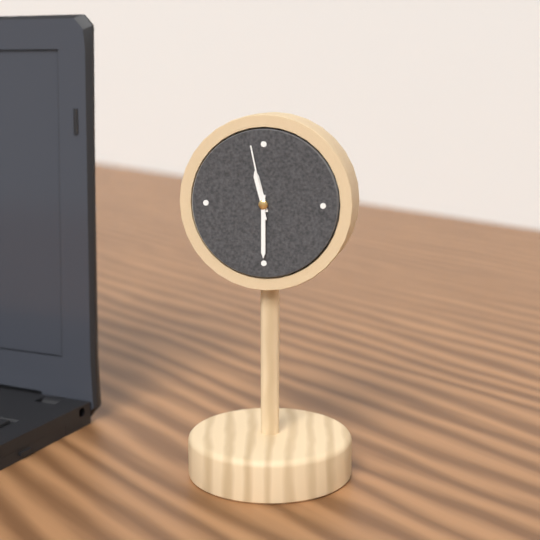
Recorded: 11 h 30 min 58 s
